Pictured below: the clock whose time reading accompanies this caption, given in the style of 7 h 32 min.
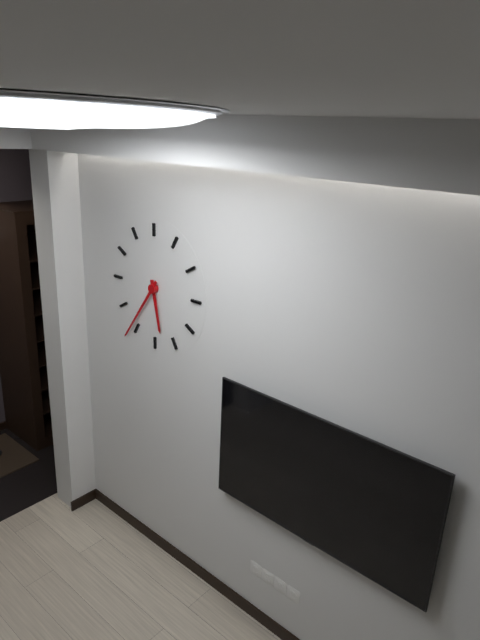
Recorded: 5 h 36 min
